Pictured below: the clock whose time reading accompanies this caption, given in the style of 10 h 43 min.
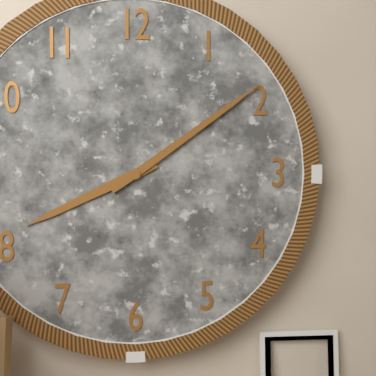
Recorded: 8 h 09 min
